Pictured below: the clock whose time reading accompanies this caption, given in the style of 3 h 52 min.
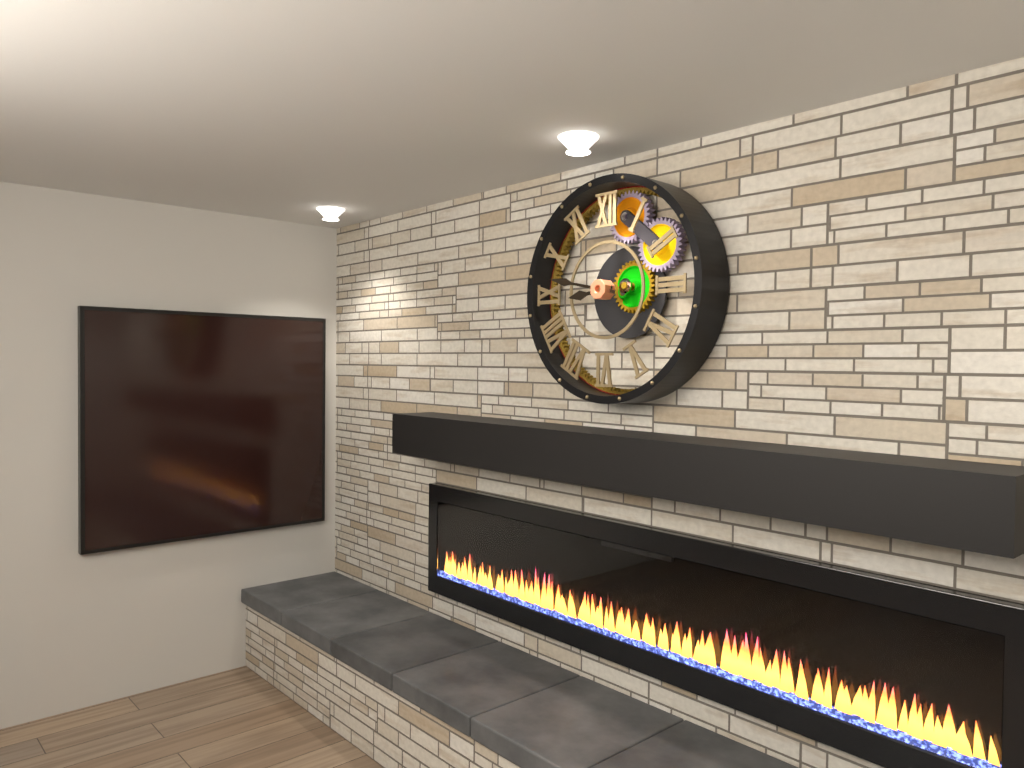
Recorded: 8 h 47 min
